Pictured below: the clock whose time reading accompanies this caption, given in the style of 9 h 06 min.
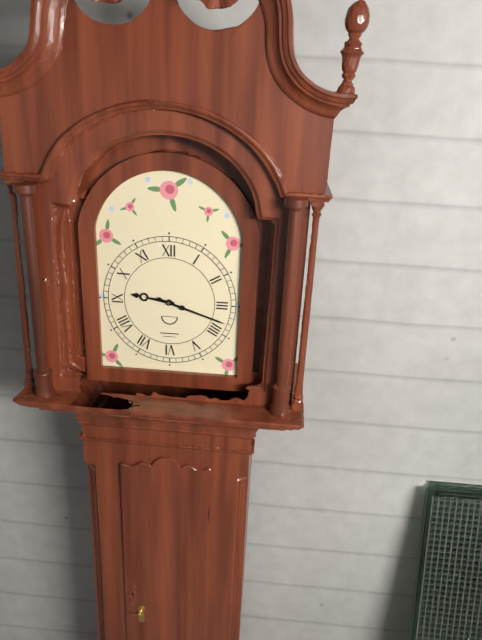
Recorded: 9 h 18 min
